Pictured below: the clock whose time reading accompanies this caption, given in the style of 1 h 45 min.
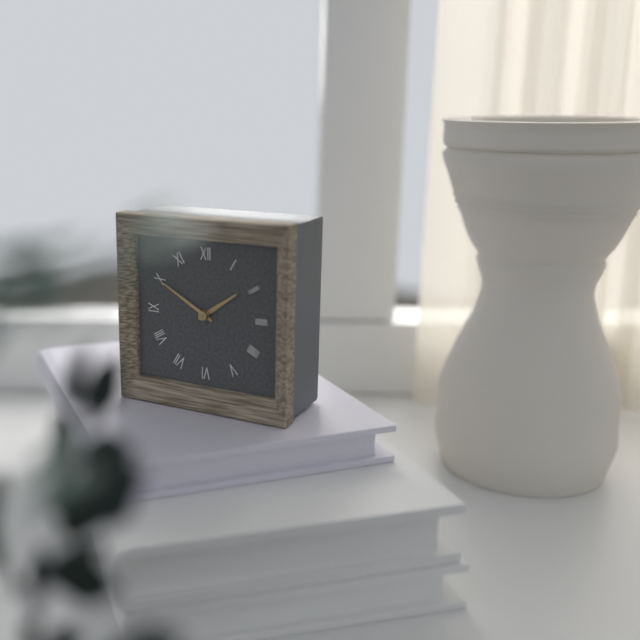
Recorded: 1 h 50 min
